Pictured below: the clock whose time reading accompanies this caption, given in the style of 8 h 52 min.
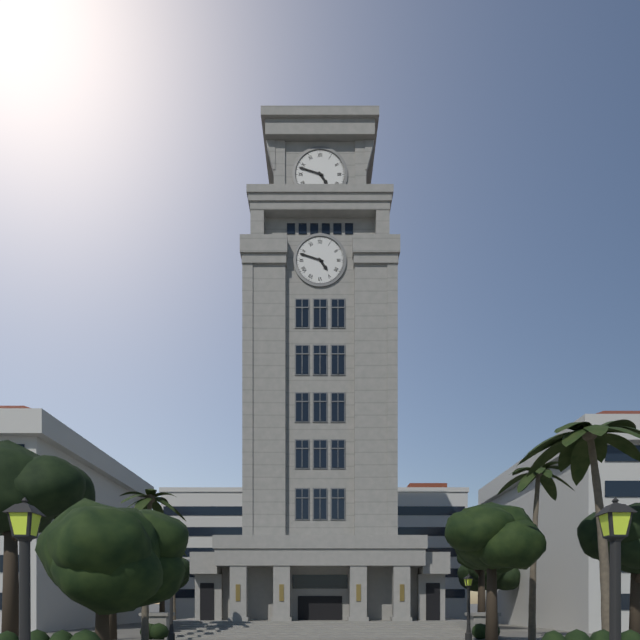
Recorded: 4 h 48 min
